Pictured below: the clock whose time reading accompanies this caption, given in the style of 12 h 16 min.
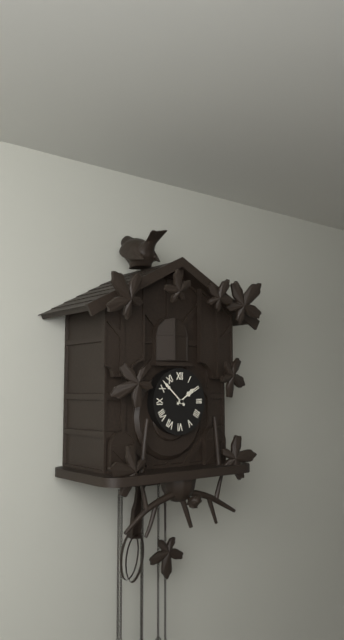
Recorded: 1 h 52 min
